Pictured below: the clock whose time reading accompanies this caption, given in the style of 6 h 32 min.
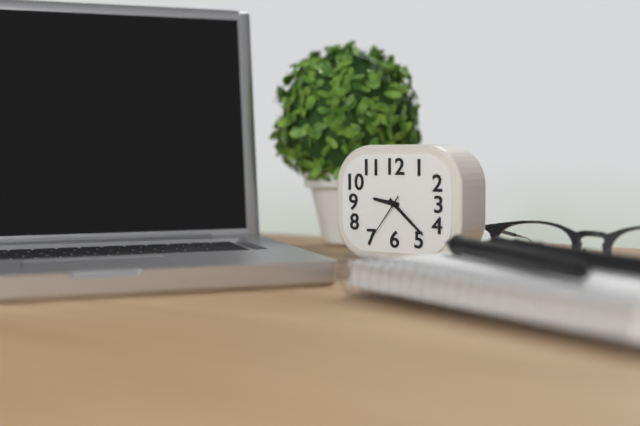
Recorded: 9 h 22 min
